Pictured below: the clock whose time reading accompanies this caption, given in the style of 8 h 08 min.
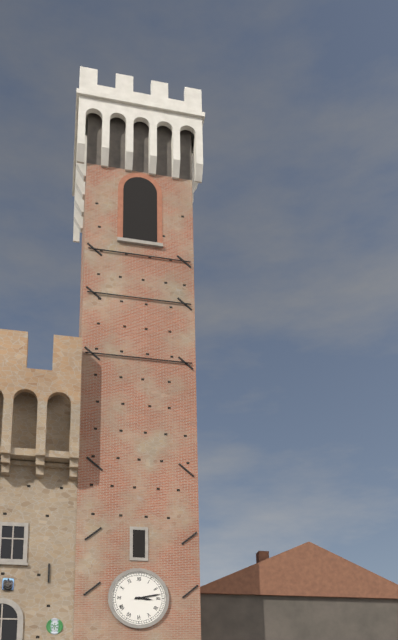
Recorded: 3 h 13 min
